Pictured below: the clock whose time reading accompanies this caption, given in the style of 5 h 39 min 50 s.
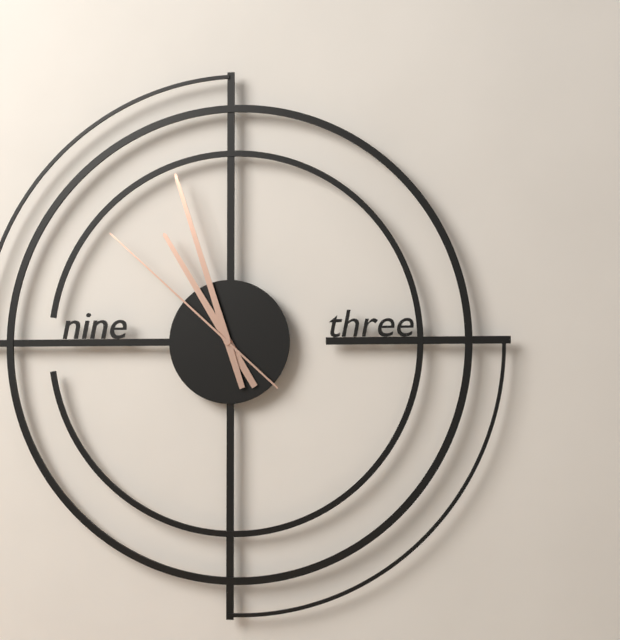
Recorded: 10 h 57 min 52 s
